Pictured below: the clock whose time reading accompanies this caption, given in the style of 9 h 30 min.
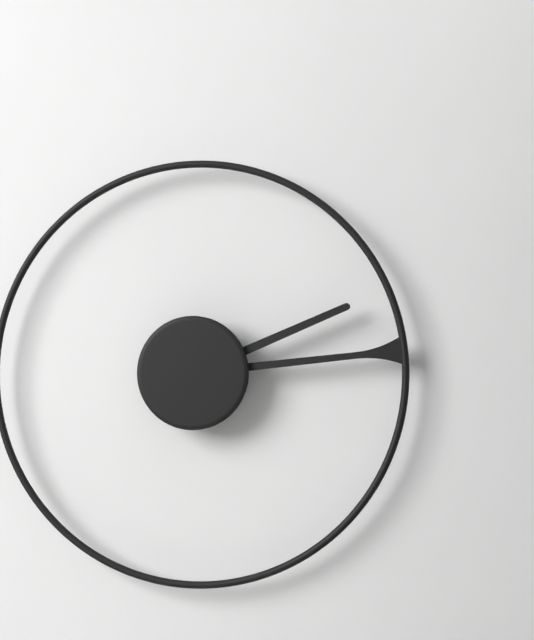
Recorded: 2 h 14 min
